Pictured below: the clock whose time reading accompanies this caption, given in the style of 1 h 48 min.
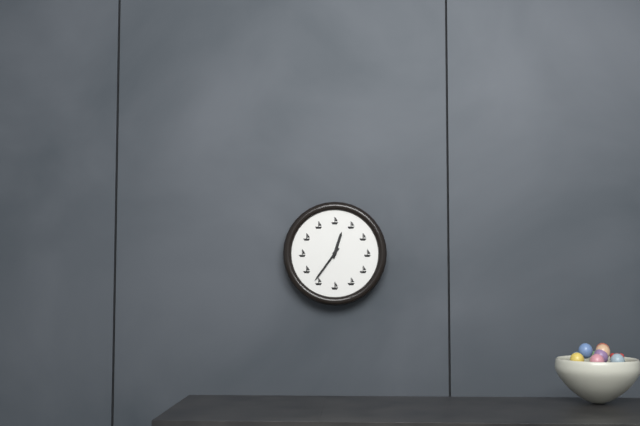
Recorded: 12 h 36 min
